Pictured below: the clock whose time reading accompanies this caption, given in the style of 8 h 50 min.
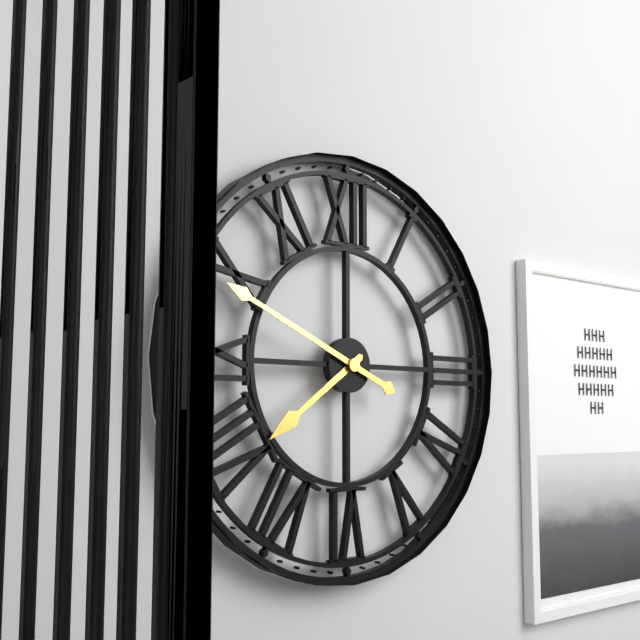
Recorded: 7 h 49 min
